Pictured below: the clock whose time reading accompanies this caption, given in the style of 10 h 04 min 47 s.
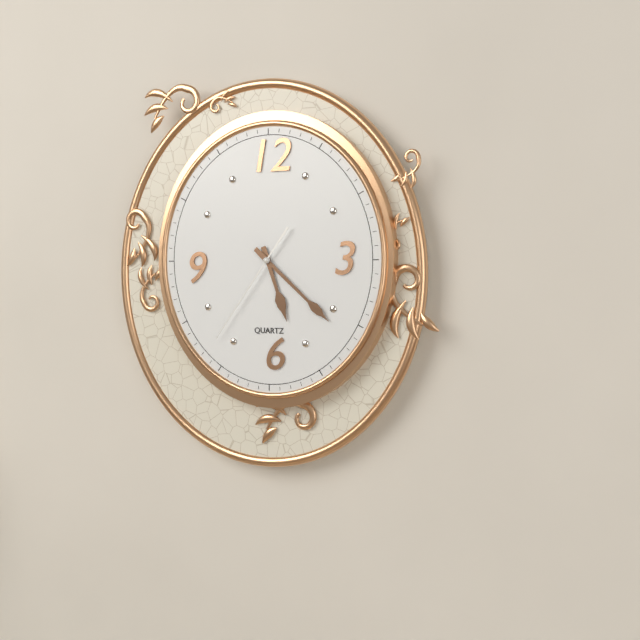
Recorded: 5 h 22 min 36 s
